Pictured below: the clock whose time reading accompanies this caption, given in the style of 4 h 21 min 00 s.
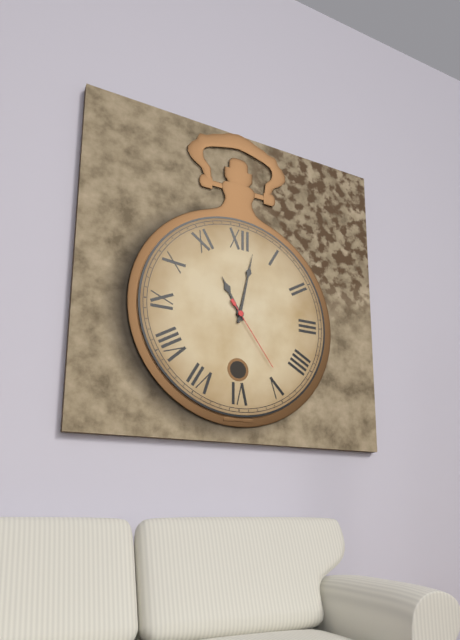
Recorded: 11 h 02 min 24 s
